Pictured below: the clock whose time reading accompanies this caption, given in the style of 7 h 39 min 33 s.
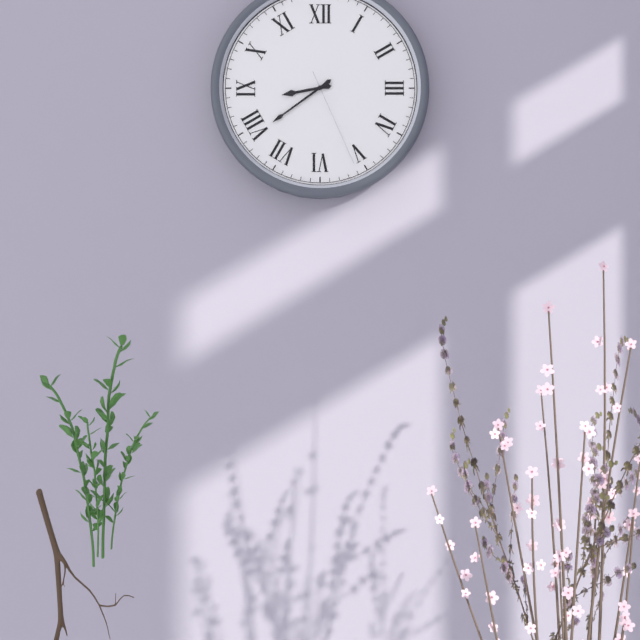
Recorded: 8 h 39 min 26 s
